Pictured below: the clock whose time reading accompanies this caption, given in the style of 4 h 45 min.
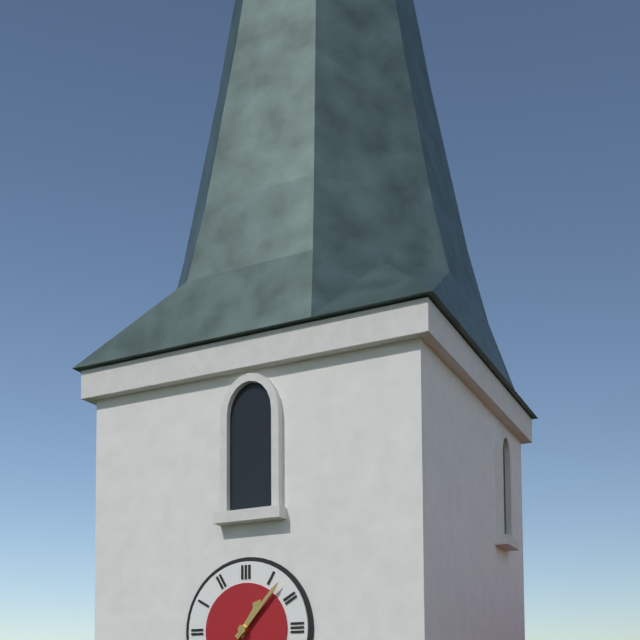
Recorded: 1 h 07 min
